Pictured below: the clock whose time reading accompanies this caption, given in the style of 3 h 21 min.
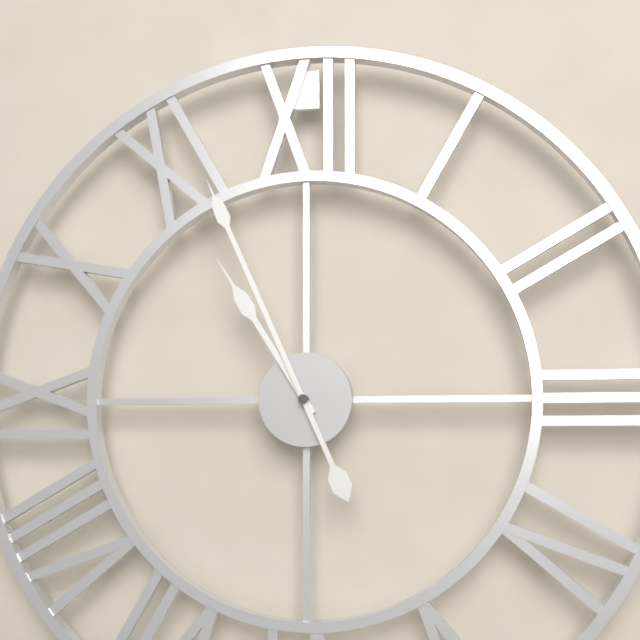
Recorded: 10 h 56 min
